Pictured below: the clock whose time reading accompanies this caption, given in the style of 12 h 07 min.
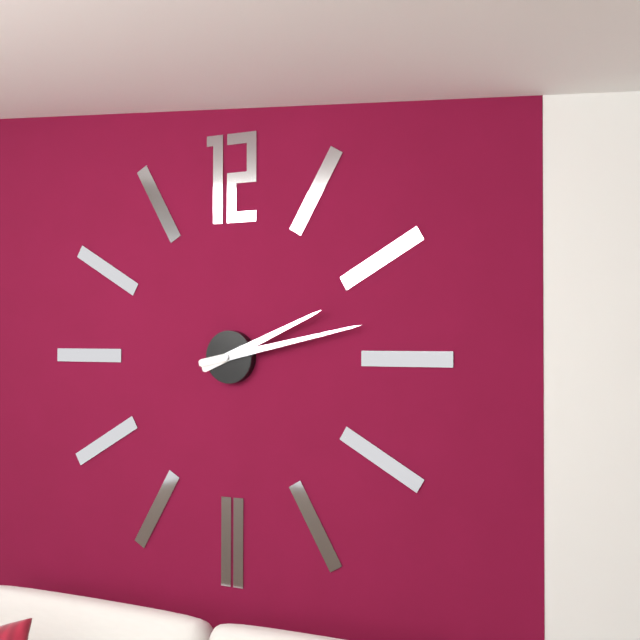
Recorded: 2 h 13 min
